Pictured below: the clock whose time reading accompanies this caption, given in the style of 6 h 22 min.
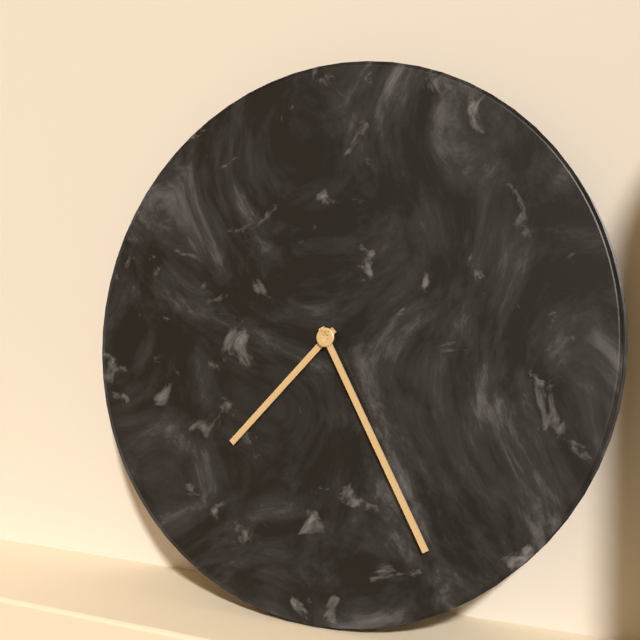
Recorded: 7 h 25 min
